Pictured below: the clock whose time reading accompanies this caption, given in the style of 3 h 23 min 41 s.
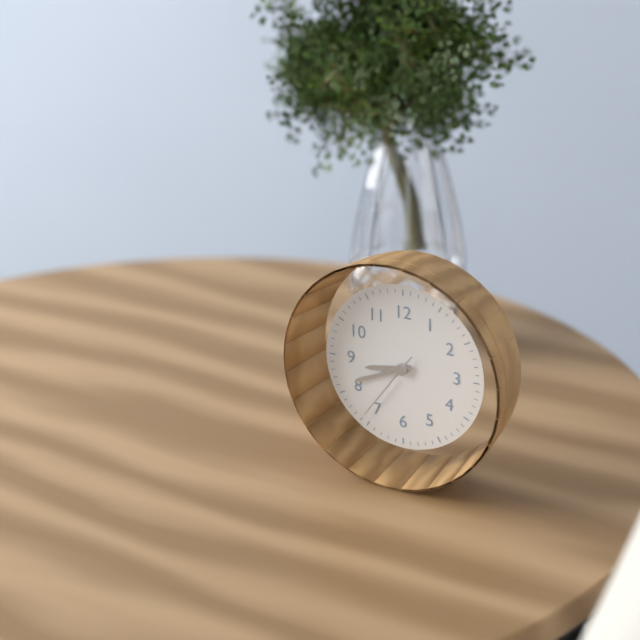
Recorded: 8 h 41 min 36 s
